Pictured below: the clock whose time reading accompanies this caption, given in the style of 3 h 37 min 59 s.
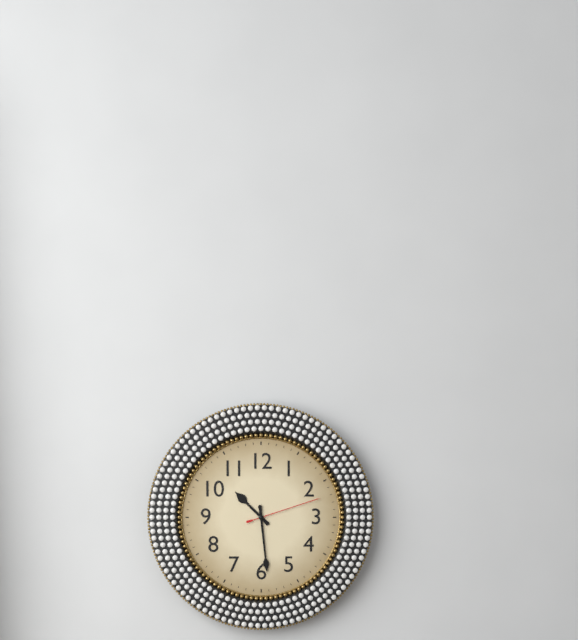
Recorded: 10 h 29 min 12 s
